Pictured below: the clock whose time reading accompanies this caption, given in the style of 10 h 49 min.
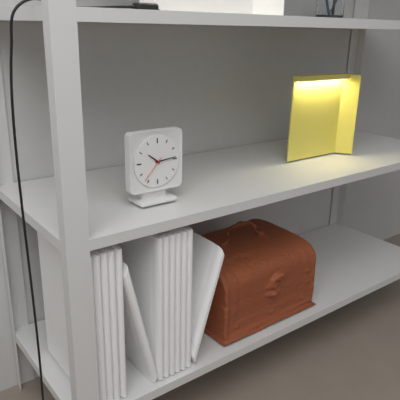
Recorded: 10 h 14 min
